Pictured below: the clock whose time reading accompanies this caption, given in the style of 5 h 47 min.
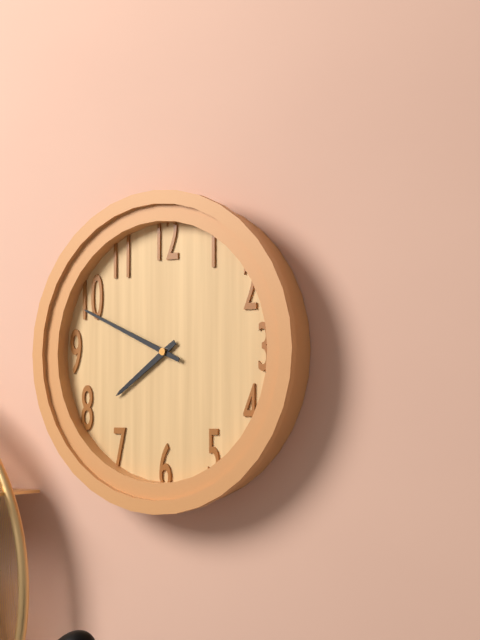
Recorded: 7 h 49 min
